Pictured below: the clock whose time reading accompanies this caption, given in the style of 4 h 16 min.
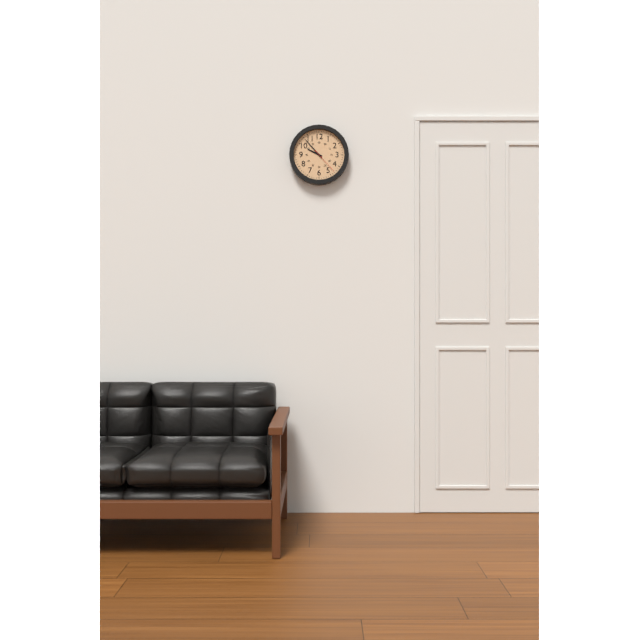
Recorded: 9 h 53 min
